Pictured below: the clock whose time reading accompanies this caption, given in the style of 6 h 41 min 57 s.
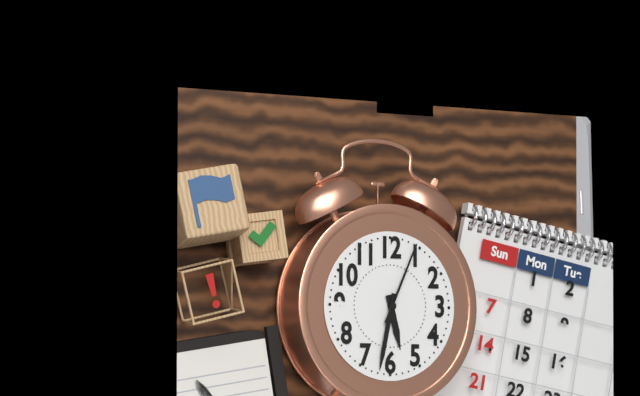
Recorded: 5 h 32 min 04 s
